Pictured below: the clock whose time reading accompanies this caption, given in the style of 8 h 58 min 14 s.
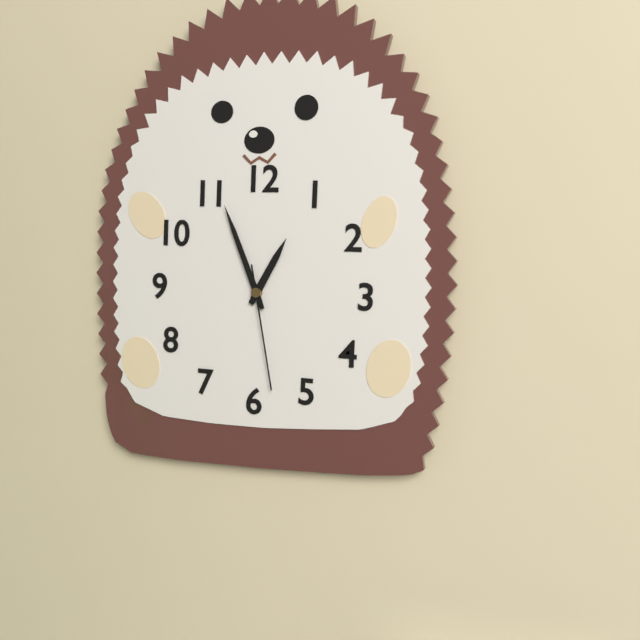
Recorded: 12 h 56 min 28 s
